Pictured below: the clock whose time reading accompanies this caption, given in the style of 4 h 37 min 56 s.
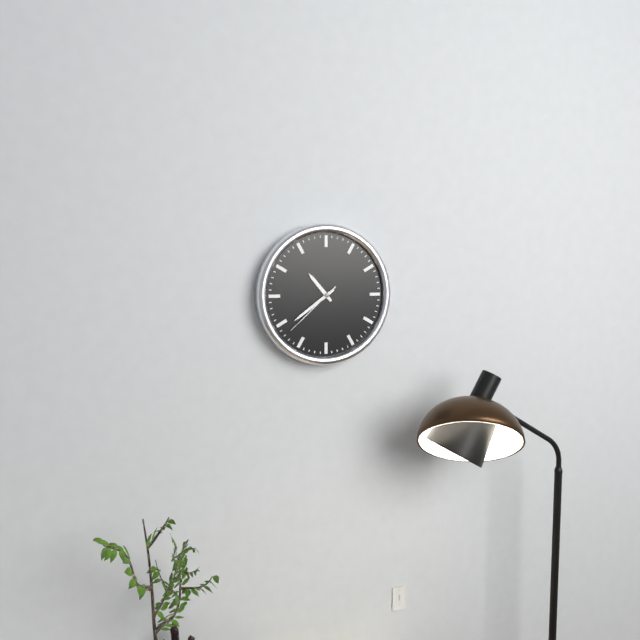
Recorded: 10 h 39 min 38 s
